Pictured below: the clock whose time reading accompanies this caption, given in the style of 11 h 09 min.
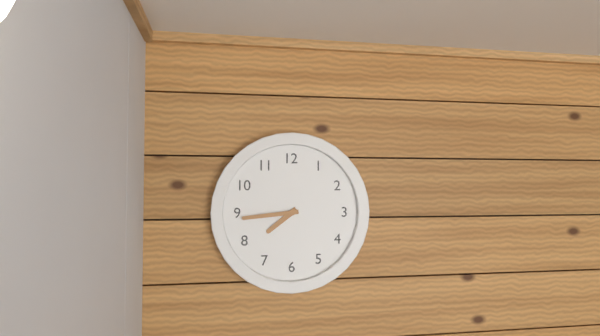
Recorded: 7 h 44 min
